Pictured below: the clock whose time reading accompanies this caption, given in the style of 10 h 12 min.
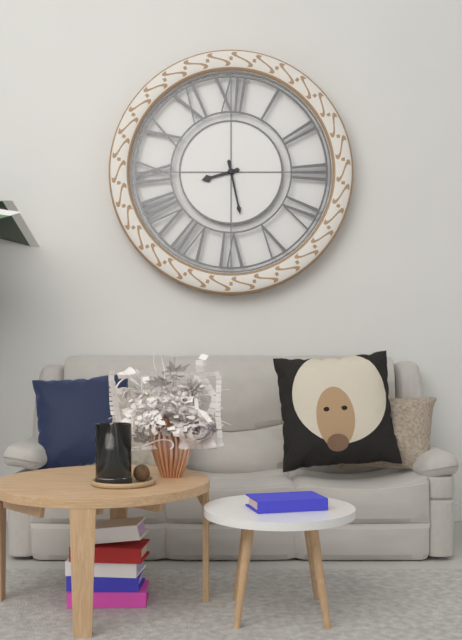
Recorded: 8 h 28 min
